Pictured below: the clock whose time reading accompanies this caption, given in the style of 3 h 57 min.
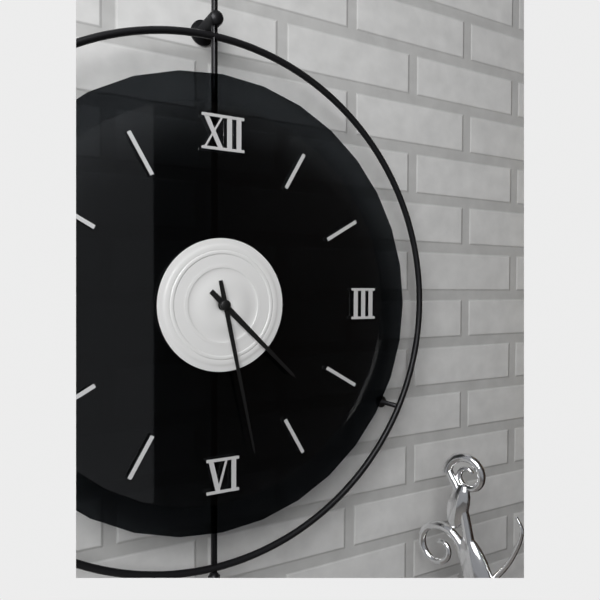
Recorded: 4 h 28 min
